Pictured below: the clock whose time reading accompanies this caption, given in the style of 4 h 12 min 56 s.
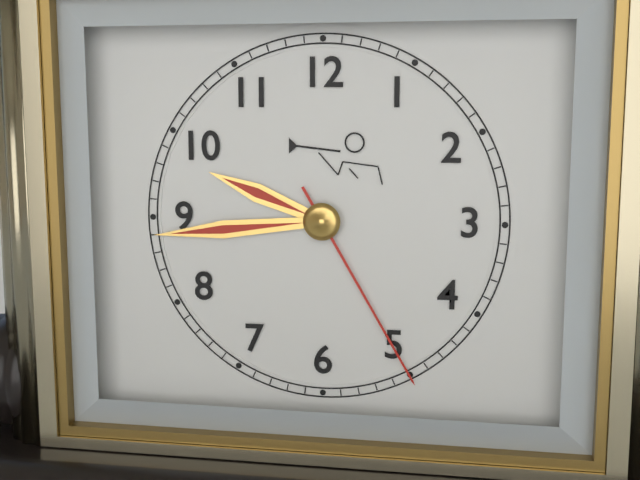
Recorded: 9 h 44 min 25 s
